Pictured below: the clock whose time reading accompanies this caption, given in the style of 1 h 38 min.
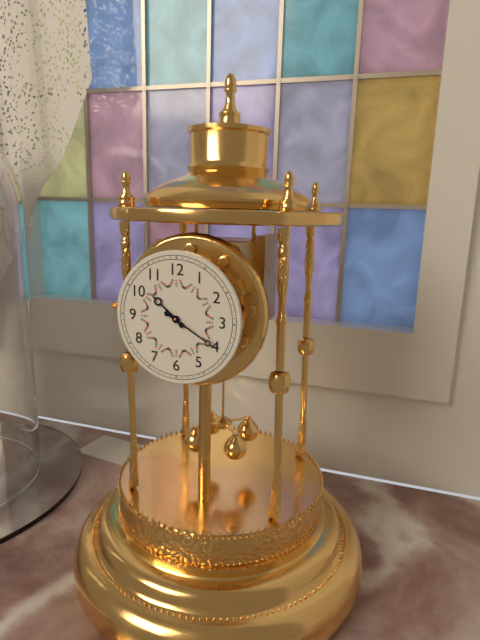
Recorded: 10 h 20 min
